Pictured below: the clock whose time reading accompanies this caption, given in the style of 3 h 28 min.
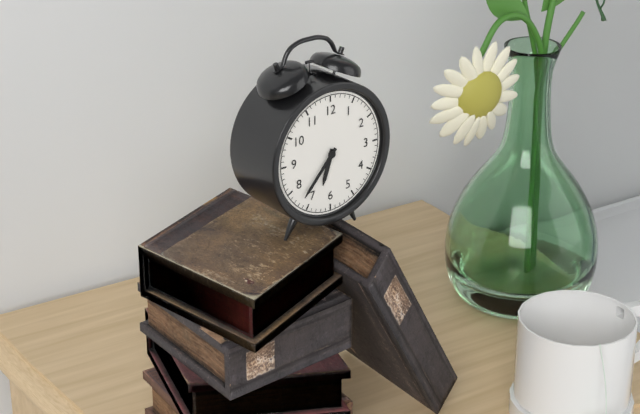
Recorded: 6 h 37 min
